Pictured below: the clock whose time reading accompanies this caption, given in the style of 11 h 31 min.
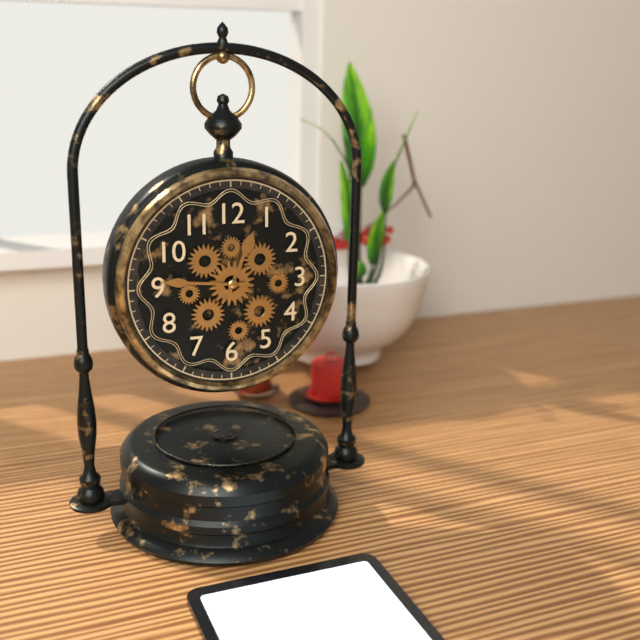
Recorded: 12 h 46 min
